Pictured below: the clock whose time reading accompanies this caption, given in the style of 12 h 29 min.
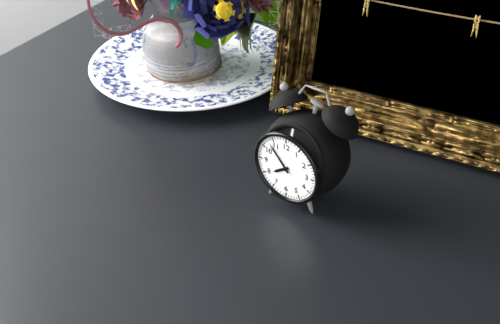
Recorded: 7 h 53 min
